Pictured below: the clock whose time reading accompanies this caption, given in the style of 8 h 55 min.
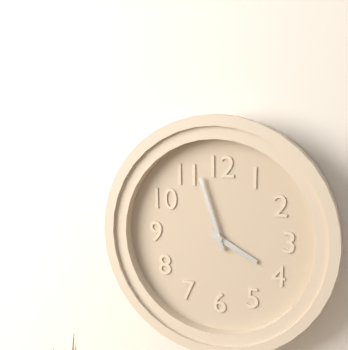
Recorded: 3 h 57 min
